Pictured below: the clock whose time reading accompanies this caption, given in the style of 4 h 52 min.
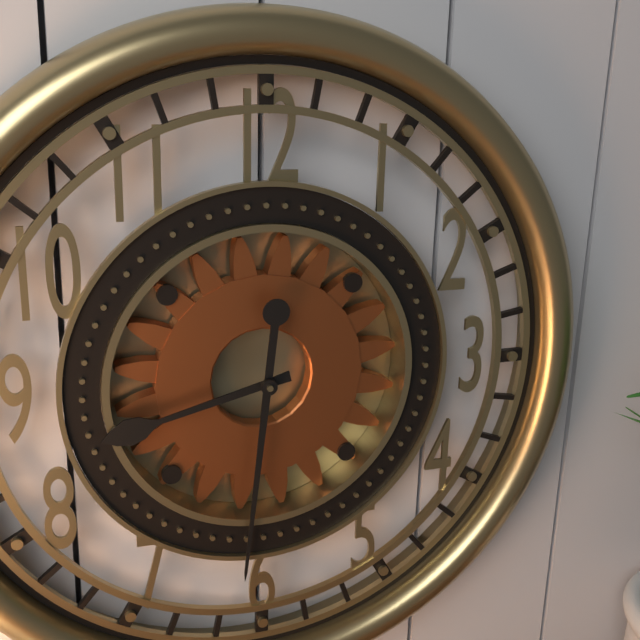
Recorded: 8 h 31 min
